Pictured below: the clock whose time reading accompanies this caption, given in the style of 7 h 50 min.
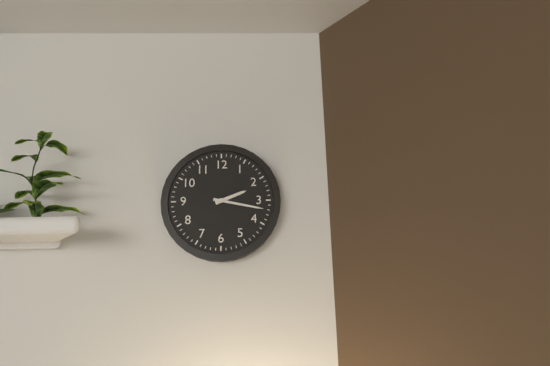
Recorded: 2 h 17 min
